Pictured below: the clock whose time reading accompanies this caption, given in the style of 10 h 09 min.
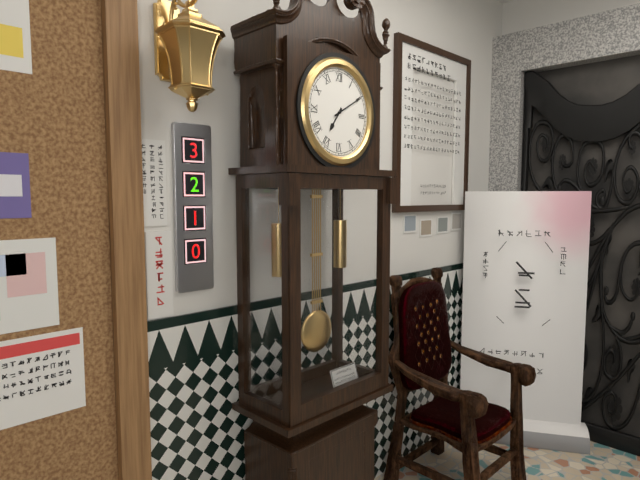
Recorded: 7 h 10 min
